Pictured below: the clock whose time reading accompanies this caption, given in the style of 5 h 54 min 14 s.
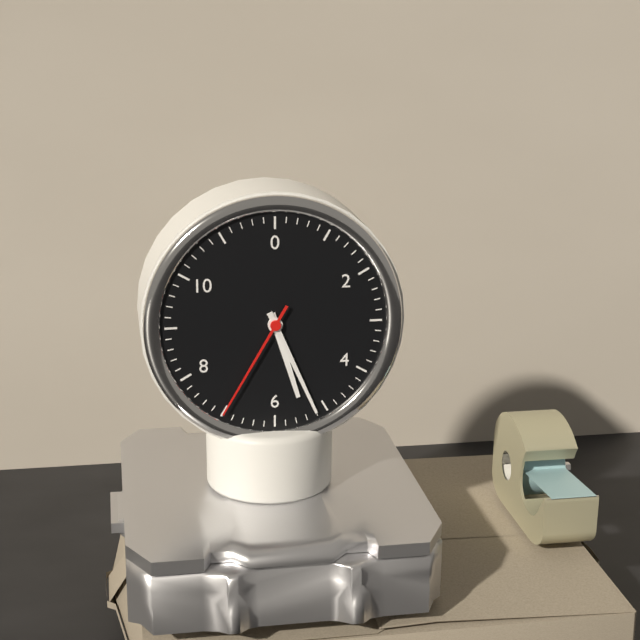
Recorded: 5 h 26 min 35 s
